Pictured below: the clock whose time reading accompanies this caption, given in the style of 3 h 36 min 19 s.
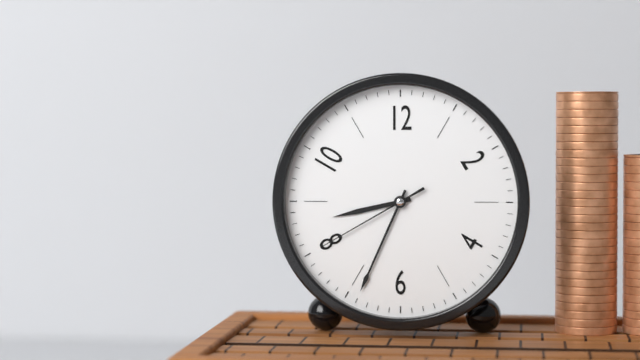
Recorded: 8 h 34 min 40 s
